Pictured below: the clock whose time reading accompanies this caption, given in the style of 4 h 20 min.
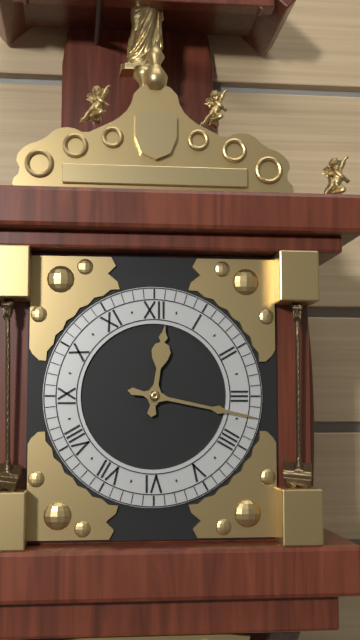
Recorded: 12 h 17 min
